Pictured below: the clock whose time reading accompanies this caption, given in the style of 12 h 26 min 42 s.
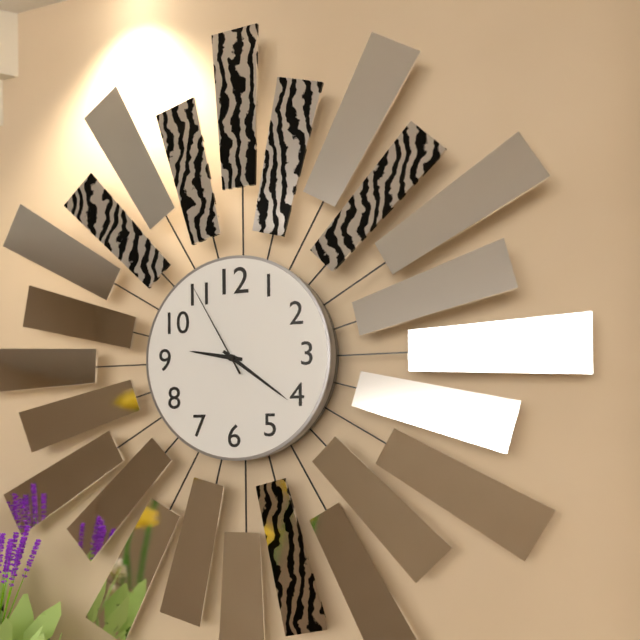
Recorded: 9 h 21 min 55 s
